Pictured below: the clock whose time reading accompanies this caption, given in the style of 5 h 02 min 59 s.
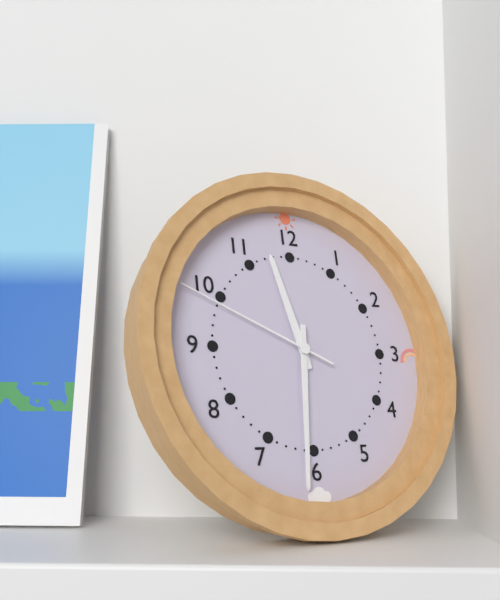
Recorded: 11 h 31 min 49 s
